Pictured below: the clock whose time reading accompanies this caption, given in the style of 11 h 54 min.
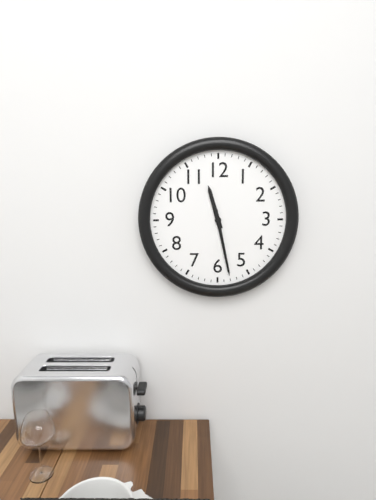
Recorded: 11 h 28 min
